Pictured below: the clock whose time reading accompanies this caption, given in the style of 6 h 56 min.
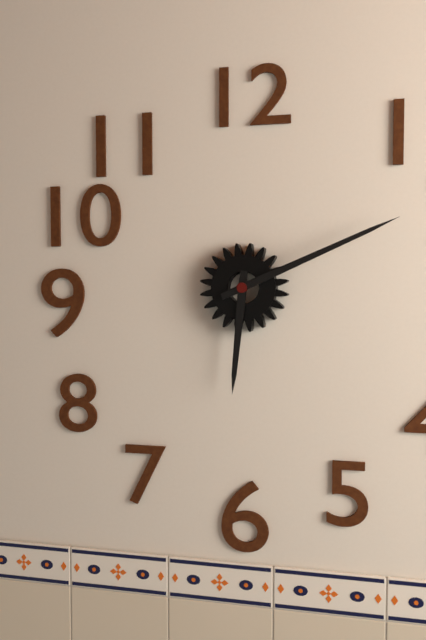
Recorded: 6 h 11 min
